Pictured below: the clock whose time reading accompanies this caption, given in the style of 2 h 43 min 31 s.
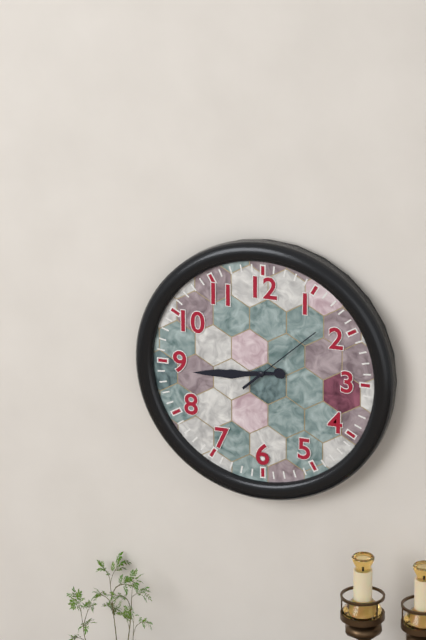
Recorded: 8 h 44 min 08 s
